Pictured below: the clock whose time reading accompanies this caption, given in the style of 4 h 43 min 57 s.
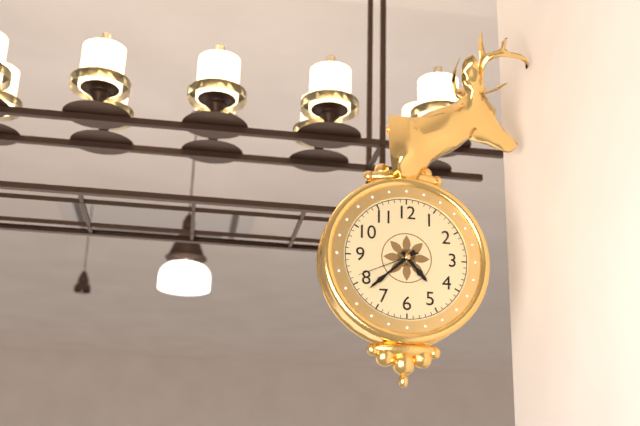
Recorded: 4 h 38 min 41 s
